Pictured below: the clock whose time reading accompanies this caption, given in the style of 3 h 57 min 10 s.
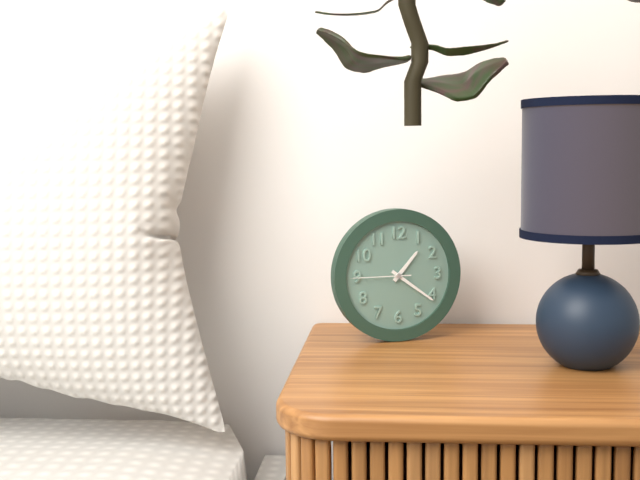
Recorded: 1 h 21 min 45 s
